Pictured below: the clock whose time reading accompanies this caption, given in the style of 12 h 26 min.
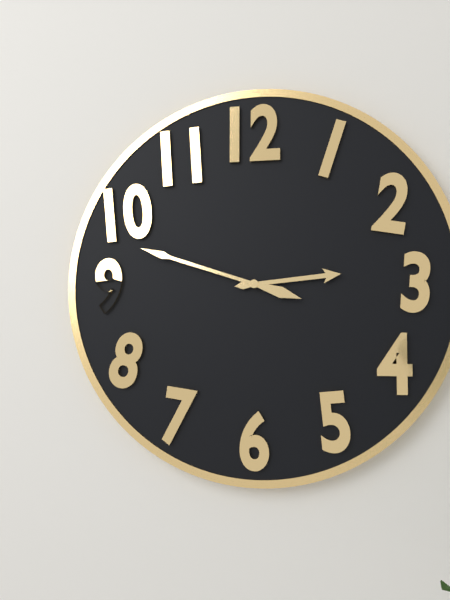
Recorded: 2 h 48 min
